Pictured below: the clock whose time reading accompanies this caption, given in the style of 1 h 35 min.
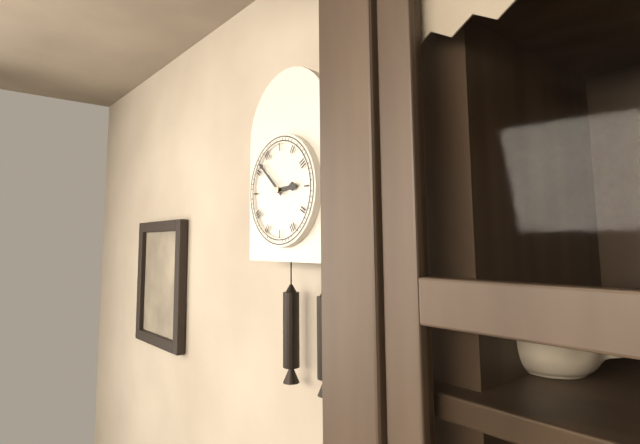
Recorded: 2 h 52 min
